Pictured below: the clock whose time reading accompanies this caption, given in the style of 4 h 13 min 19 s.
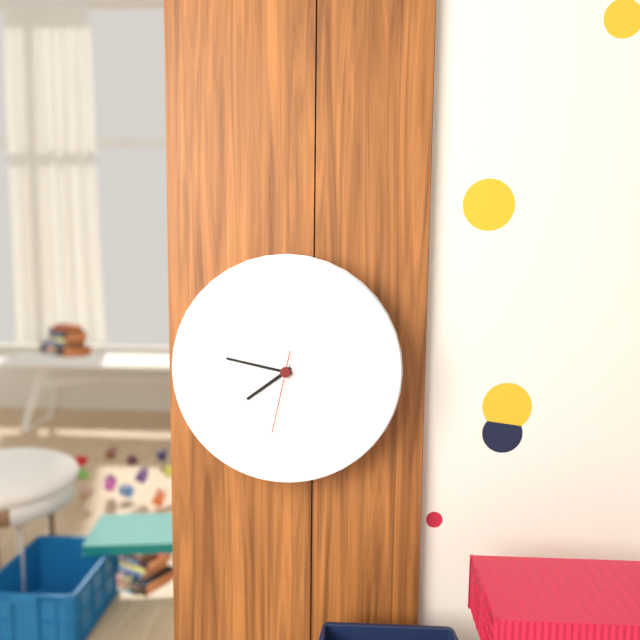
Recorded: 7 h 47 min 32 s
